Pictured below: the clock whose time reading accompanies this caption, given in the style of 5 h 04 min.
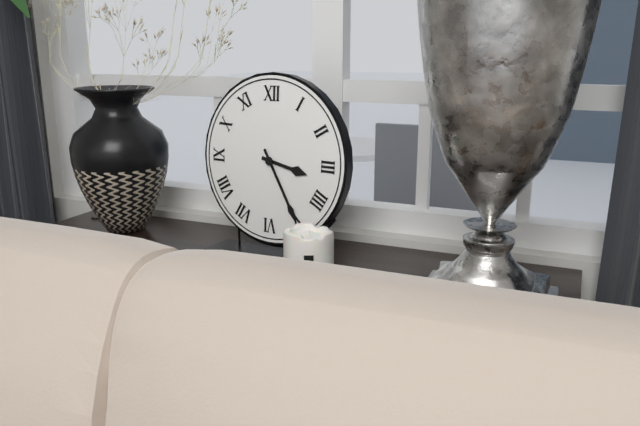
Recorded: 3 h 25 min
